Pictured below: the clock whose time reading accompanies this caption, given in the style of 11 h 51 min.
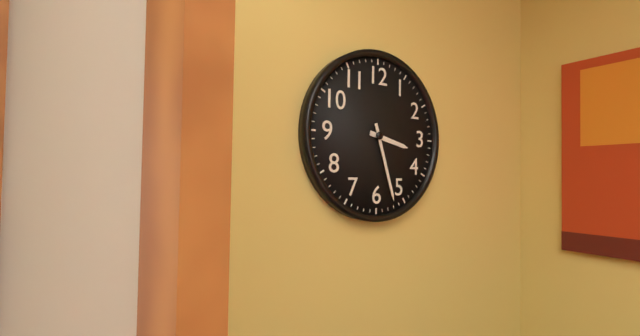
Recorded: 3 h 27 min
